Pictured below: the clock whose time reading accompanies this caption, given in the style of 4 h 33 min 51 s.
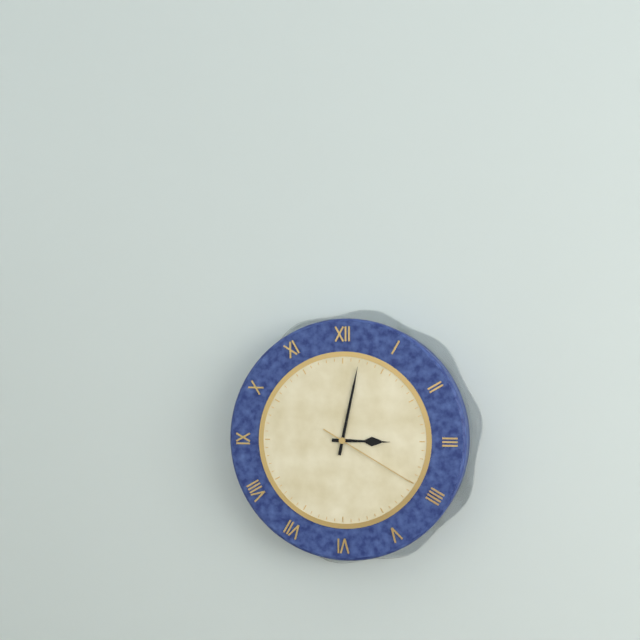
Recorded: 3 h 02 min 20 s
